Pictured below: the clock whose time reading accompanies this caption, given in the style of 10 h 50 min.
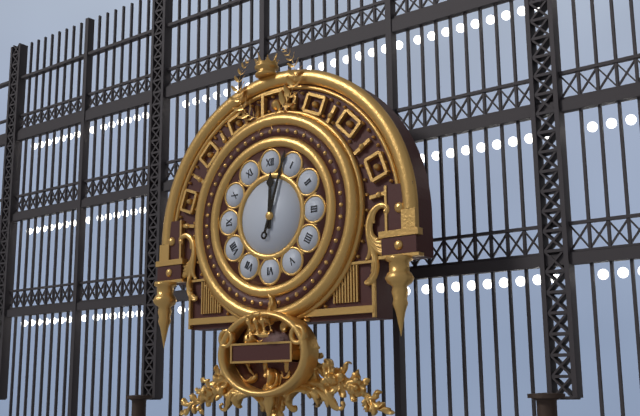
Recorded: 12 h 03 min
